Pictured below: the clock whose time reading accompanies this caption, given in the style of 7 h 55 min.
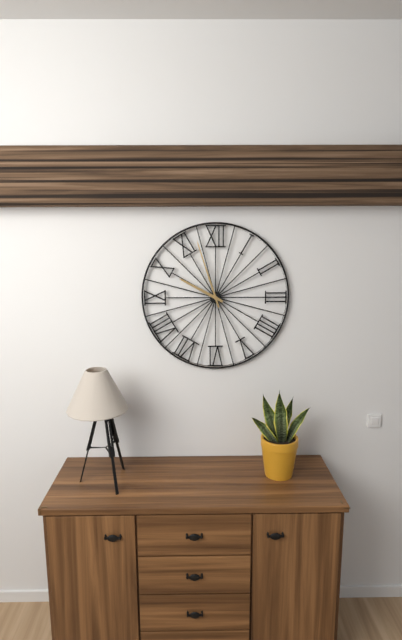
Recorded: 9 h 57 min
